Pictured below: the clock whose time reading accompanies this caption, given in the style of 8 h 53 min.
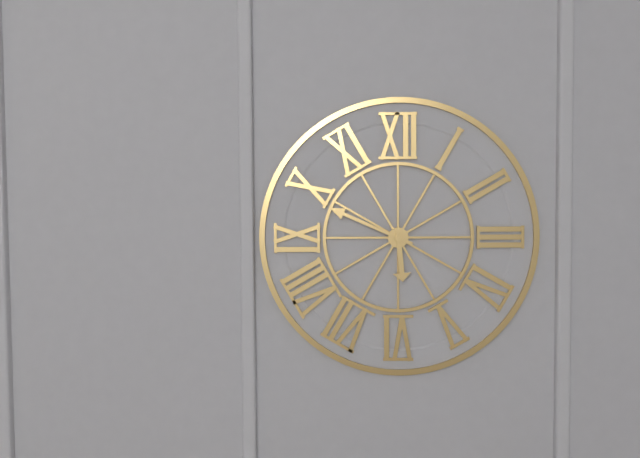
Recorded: 5 h 49 min
